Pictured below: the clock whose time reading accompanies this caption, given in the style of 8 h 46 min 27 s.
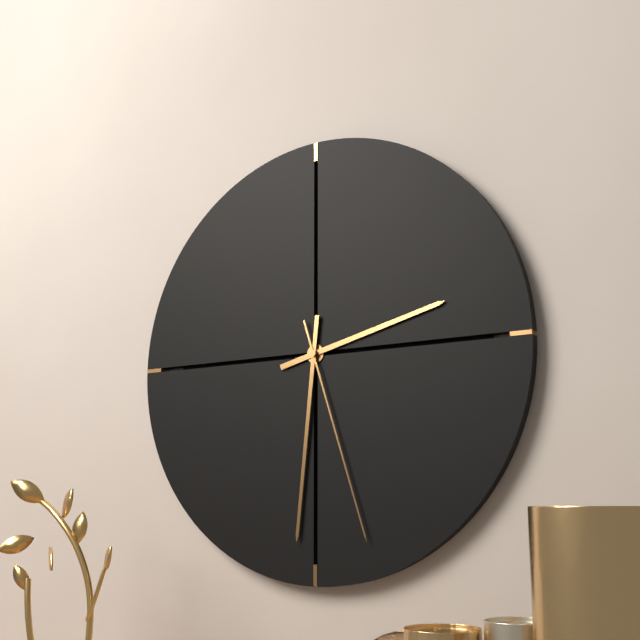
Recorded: 2 h 31 min 27 s
